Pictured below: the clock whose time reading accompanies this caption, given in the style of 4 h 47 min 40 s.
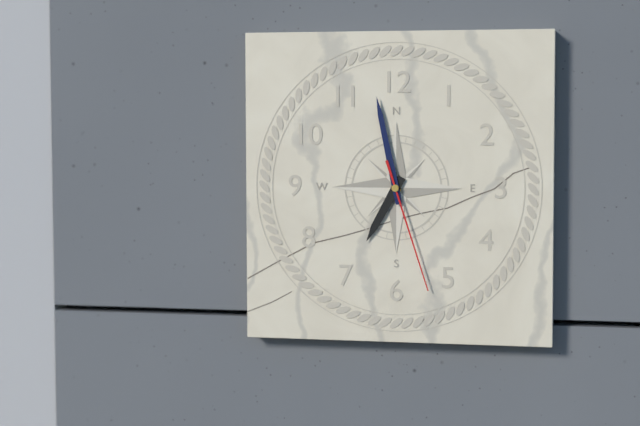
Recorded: 6 h 58 min 27 s
